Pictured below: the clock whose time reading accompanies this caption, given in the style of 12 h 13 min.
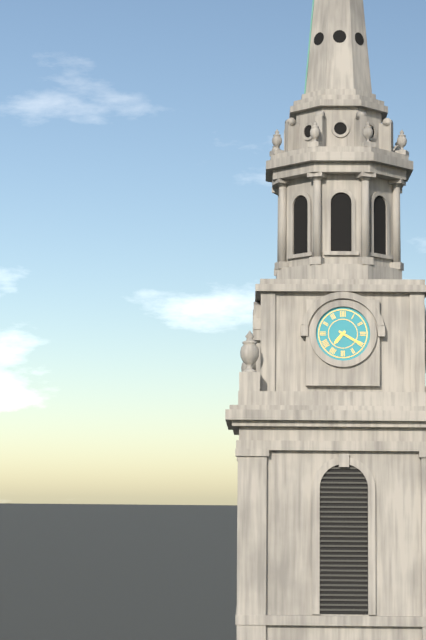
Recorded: 7 h 20 min
